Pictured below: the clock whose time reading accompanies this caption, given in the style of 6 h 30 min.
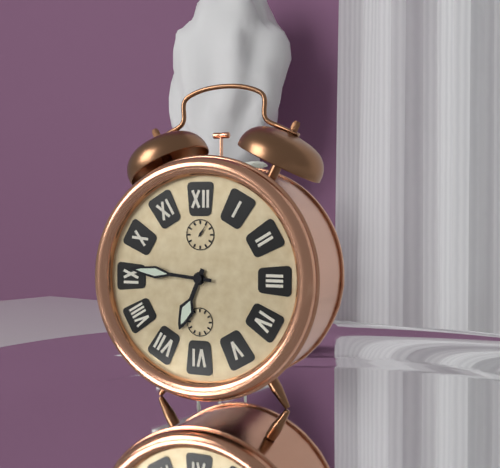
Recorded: 6 h 46 min
